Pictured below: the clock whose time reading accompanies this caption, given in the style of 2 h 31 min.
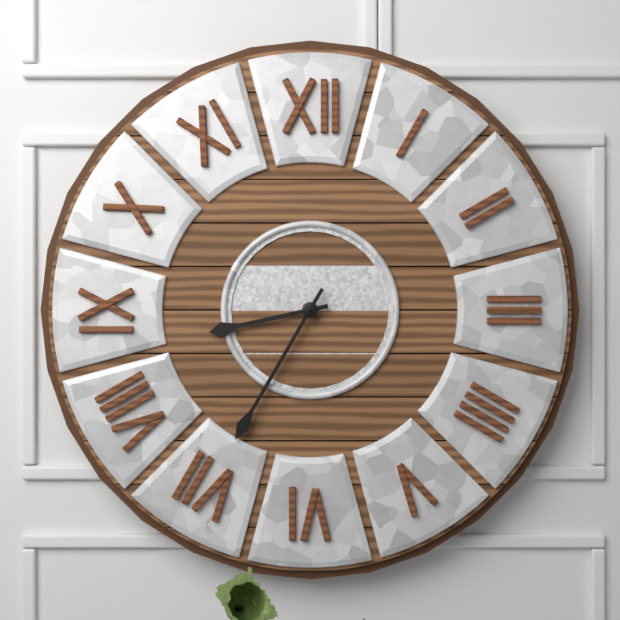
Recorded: 8 h 35 min
